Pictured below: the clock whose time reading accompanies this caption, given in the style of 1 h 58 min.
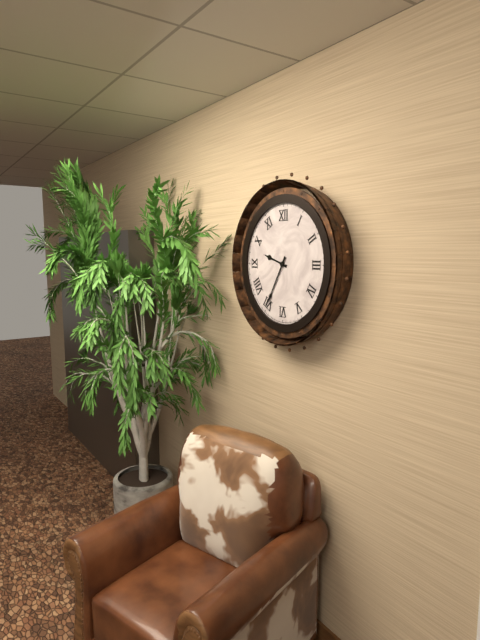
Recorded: 9 h 35 min
